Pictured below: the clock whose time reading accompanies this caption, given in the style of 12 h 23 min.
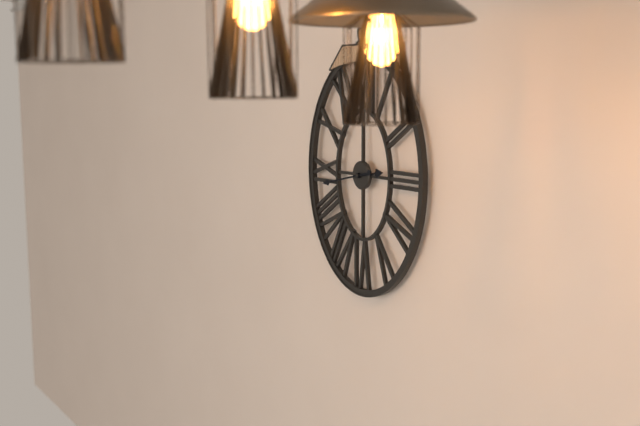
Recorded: 2 h 43 min
